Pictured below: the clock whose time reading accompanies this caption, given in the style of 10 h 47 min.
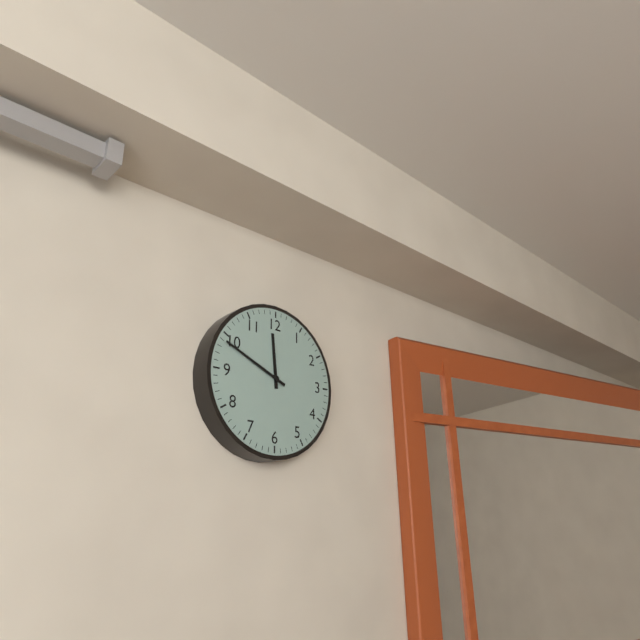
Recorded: 11 h 49 min
